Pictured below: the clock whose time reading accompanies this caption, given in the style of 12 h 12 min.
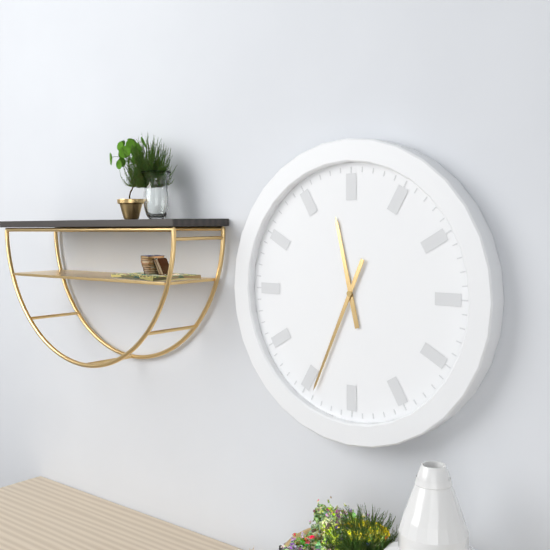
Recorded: 11 h 34 min
